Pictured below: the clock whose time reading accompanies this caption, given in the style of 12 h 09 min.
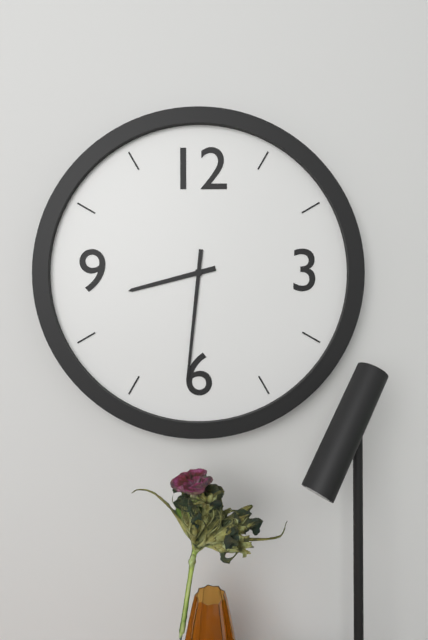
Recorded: 8 h 31 min
